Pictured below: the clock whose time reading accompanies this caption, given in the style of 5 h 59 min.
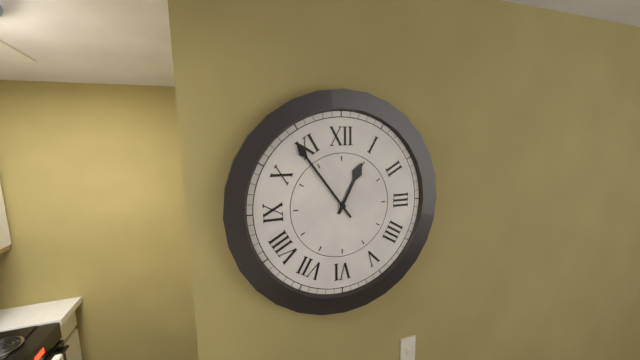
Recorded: 12 h 54 min
